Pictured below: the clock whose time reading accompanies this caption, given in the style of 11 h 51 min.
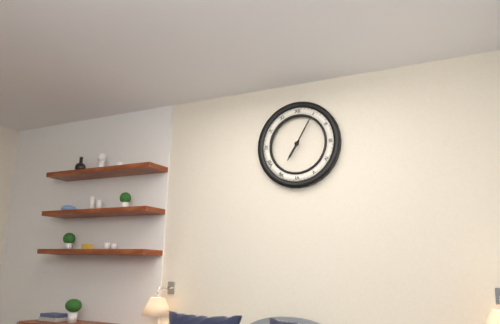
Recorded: 7 h 05 min
